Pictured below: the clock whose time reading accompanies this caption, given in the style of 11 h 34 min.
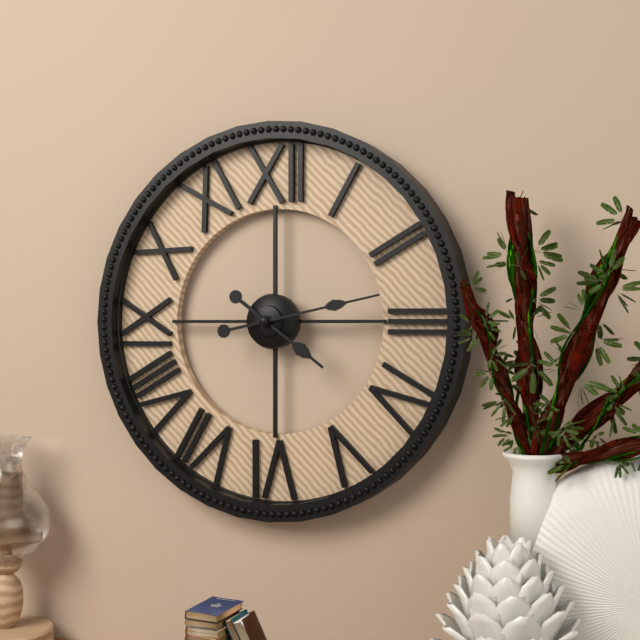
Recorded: 4 h 13 min
